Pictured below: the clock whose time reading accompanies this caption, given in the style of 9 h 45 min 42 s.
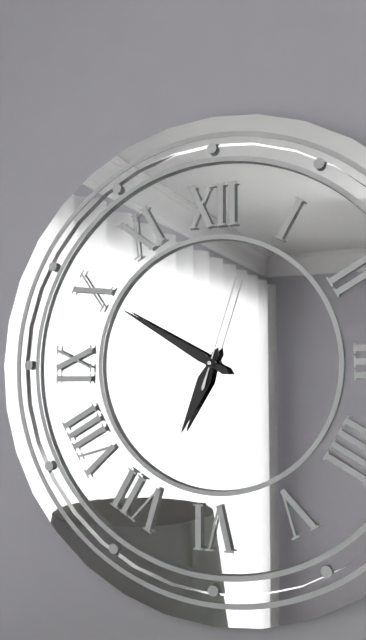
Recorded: 6 h 50 min 03 s
